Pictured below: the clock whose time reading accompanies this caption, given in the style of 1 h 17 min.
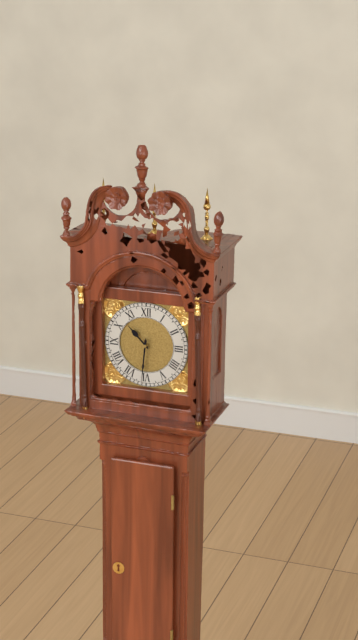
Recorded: 10 h 31 min
